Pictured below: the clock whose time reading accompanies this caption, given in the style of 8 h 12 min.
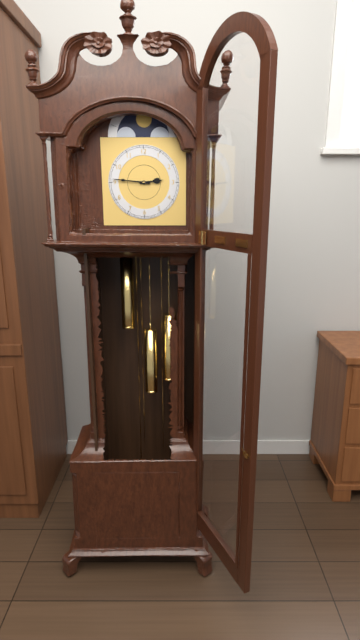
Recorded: 2 h 46 min
